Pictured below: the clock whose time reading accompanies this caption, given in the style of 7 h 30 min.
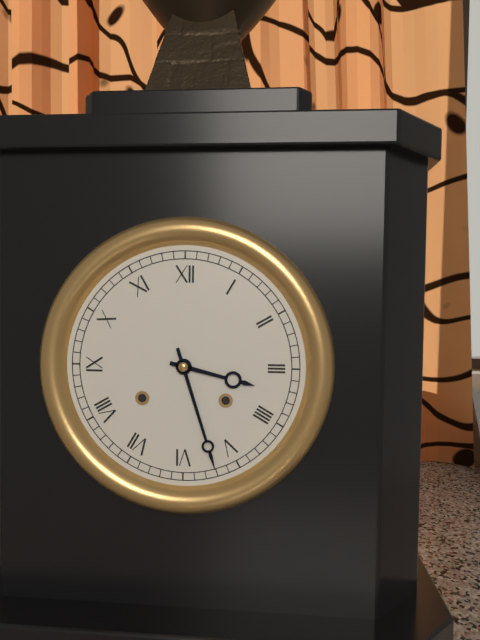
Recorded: 3 h 27 min
